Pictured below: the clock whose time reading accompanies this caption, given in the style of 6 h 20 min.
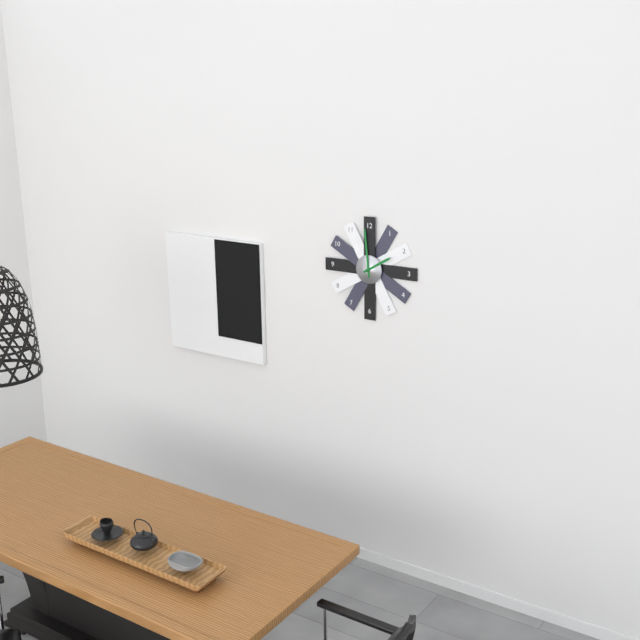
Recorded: 1 h 59 min
